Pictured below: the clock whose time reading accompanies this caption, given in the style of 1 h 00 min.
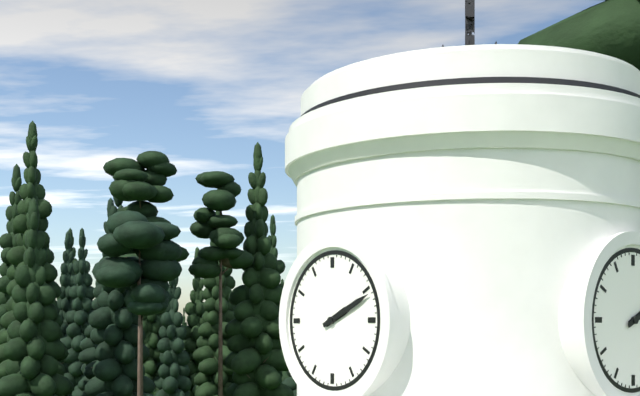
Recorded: 2 h 11 min
